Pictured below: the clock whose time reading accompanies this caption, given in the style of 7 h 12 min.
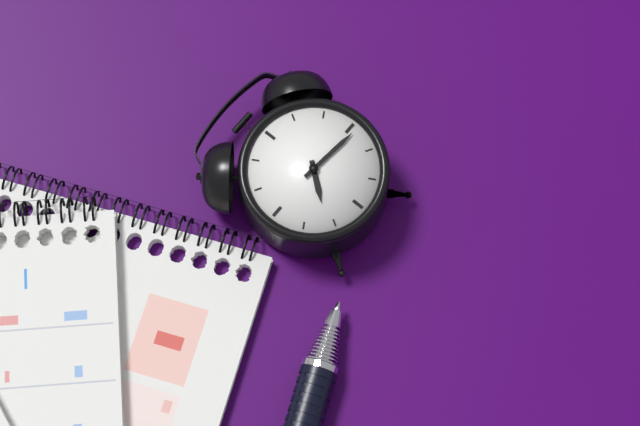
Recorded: 7 h 16 min
